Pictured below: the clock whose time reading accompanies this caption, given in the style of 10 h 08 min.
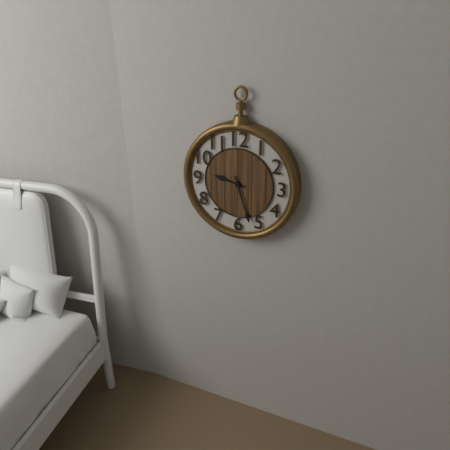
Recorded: 9 h 27 min
